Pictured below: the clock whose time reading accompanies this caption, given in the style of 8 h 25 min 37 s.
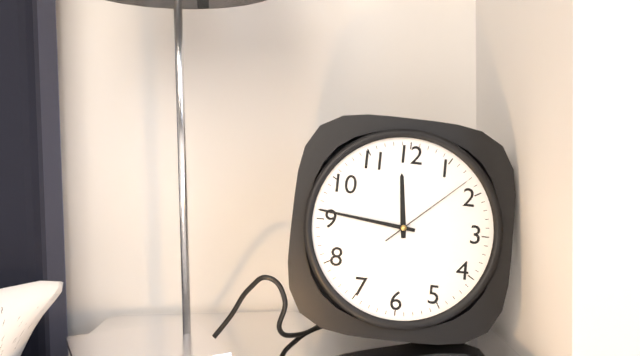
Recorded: 11 h 46 min 08 s
